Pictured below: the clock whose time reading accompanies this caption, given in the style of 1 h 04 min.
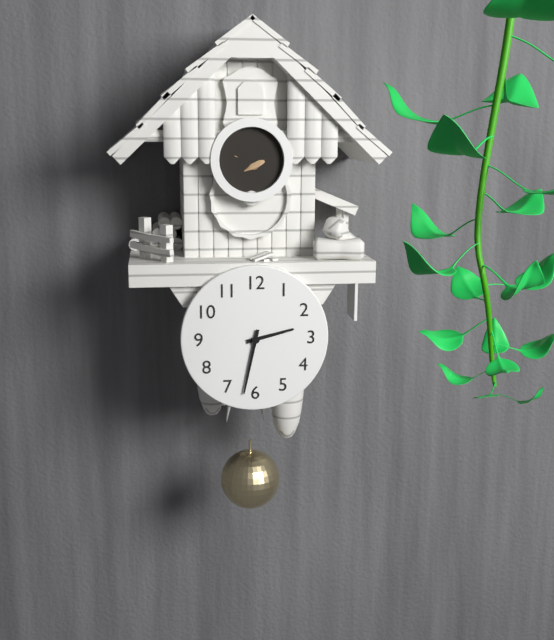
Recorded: 2 h 32 min
